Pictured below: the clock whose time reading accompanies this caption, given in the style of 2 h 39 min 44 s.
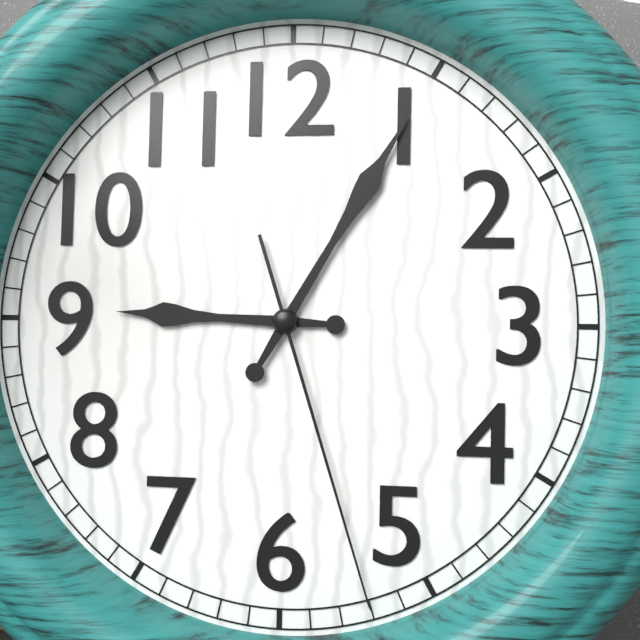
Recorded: 9 h 05 min 27 s
